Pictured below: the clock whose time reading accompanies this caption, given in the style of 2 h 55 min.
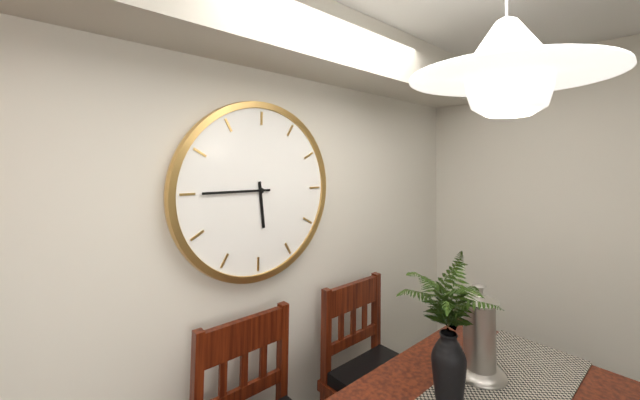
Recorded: 5 h 45 min
